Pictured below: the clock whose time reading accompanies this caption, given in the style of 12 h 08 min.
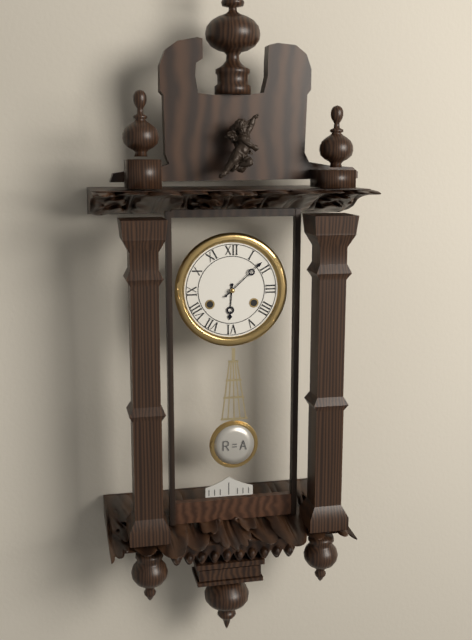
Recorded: 6 h 08 min
